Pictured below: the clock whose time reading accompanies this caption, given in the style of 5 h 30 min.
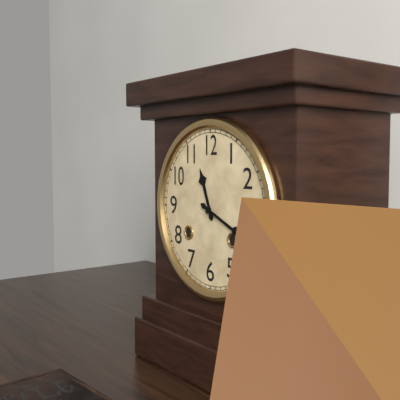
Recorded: 11 h 19 min
